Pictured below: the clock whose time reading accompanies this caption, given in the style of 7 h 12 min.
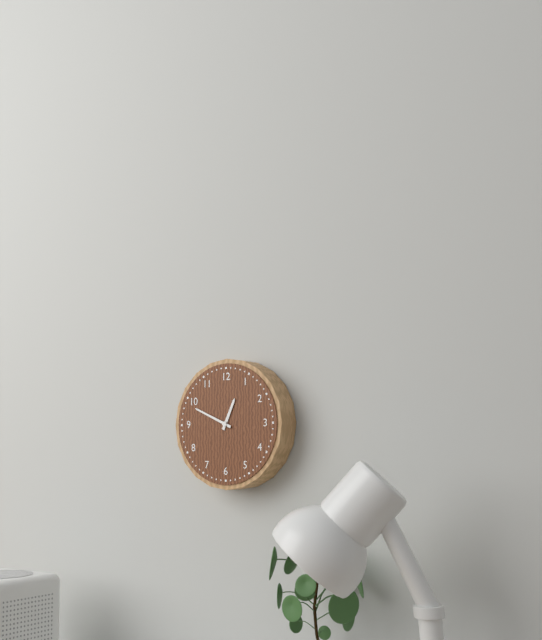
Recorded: 12 h 49 min
